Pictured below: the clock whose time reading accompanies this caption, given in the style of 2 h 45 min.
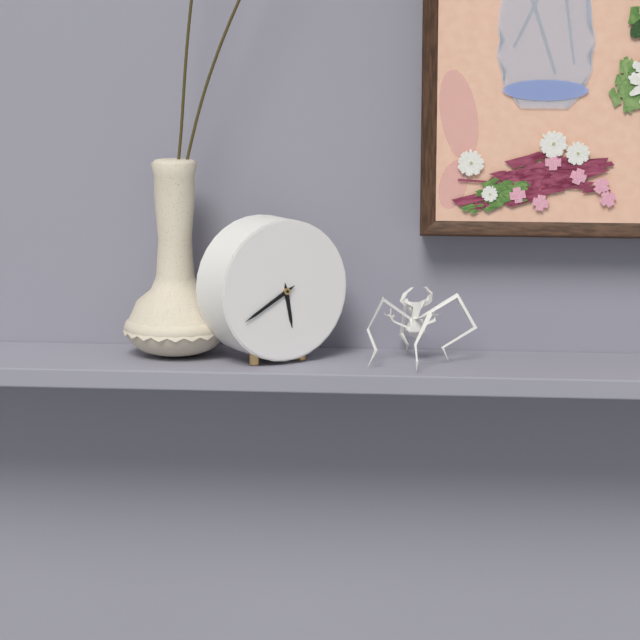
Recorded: 5 h 40 min
